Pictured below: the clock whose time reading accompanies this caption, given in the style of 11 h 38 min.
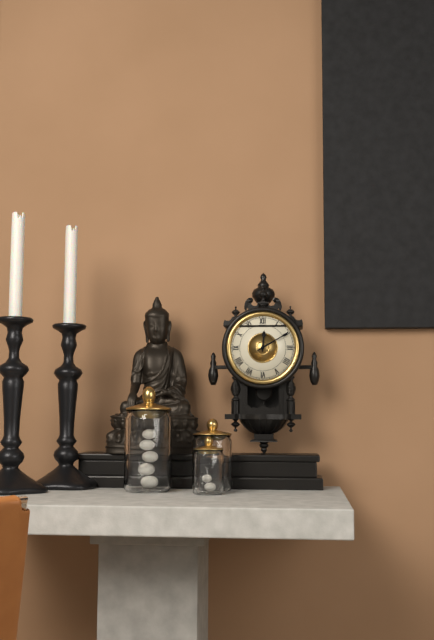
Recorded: 12 h 10 min
